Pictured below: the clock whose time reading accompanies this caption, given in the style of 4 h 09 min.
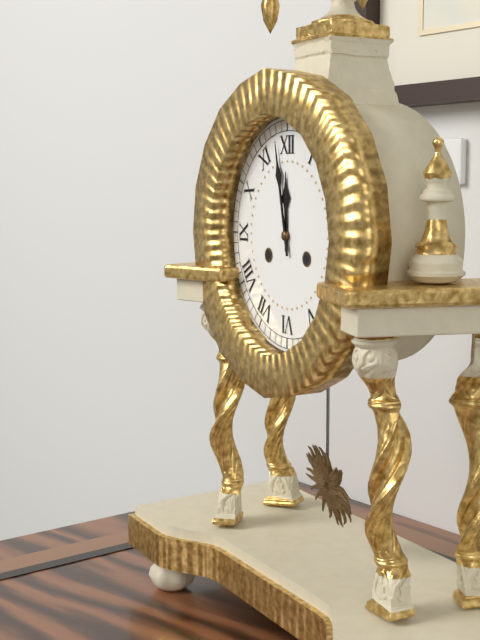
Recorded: 11 h 58 min
